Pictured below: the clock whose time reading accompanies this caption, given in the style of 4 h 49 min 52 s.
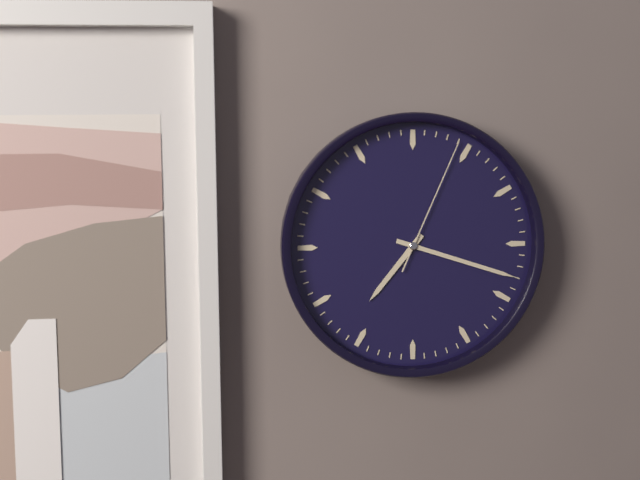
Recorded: 7 h 18 min 04 s
